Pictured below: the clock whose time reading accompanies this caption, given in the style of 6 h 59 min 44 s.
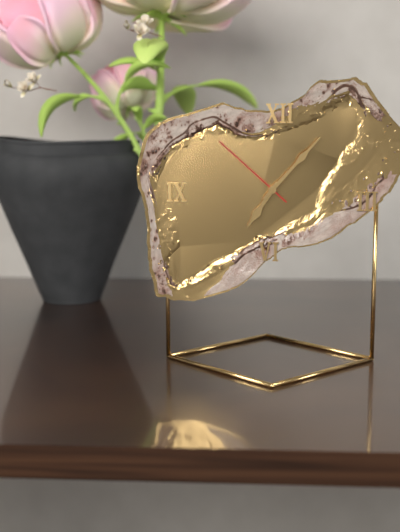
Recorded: 7 h 07 min 52 s
